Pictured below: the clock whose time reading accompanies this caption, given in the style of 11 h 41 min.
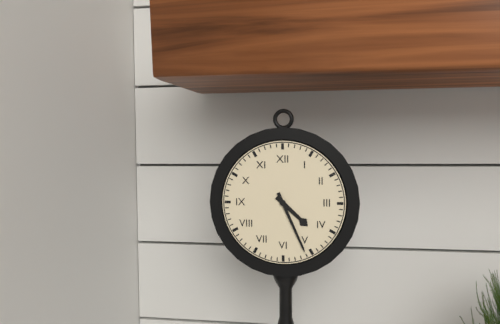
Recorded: 4 h 26 min
